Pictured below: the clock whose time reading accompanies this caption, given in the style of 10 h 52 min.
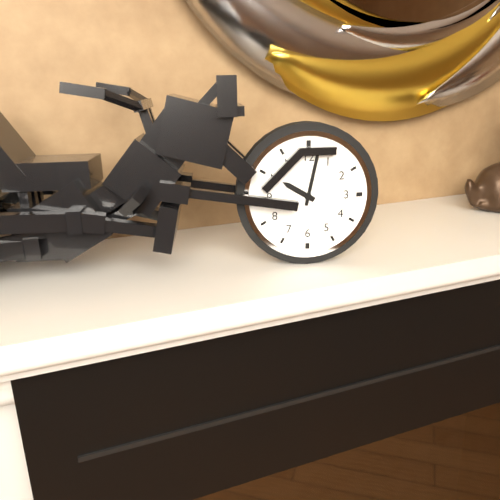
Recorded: 10 h 02 min
